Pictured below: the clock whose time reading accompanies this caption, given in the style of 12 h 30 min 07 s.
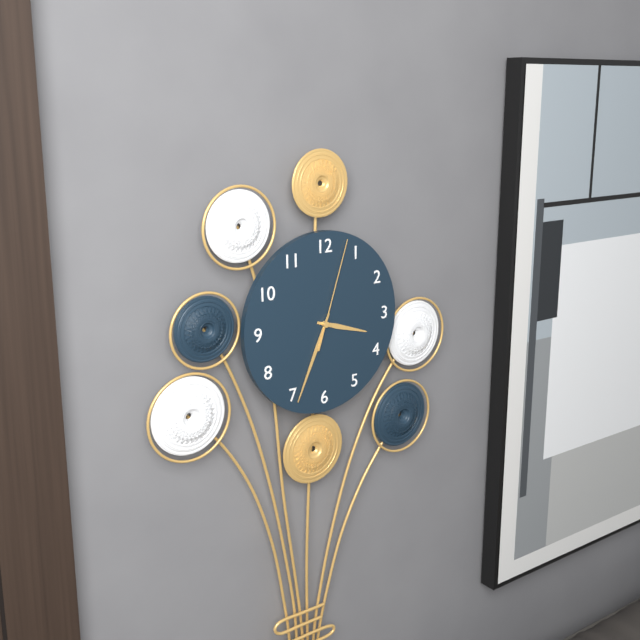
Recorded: 3 h 34 min 03 s
